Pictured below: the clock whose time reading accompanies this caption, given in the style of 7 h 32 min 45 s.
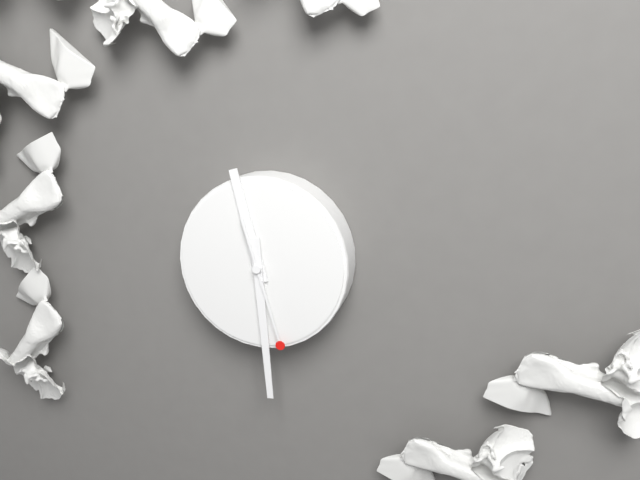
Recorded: 11 h 29 min 27 s
